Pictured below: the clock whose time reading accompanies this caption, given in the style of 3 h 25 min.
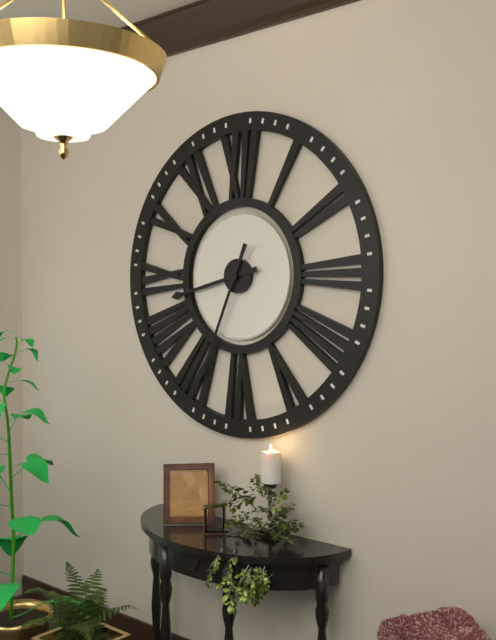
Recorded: 8 h 34 min
